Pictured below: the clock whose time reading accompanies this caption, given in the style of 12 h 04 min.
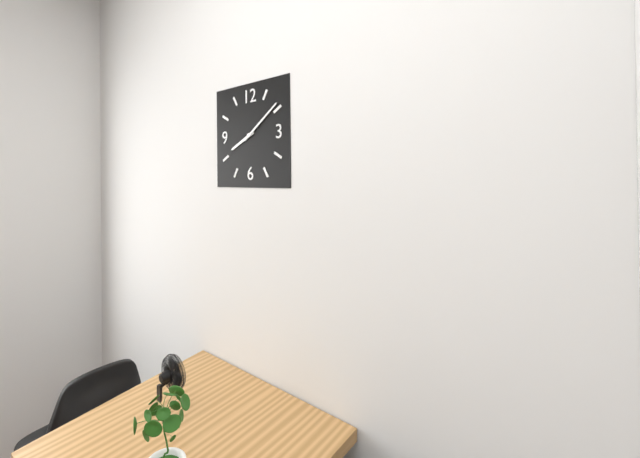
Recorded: 8 h 09 min
